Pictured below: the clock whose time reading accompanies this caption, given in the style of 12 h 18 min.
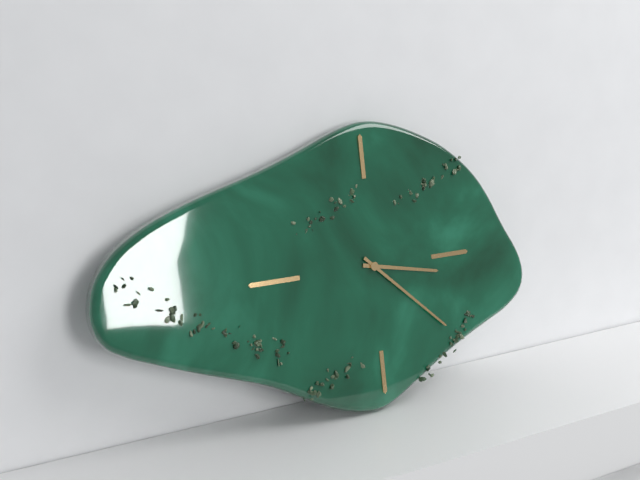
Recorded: 3 h 22 min
